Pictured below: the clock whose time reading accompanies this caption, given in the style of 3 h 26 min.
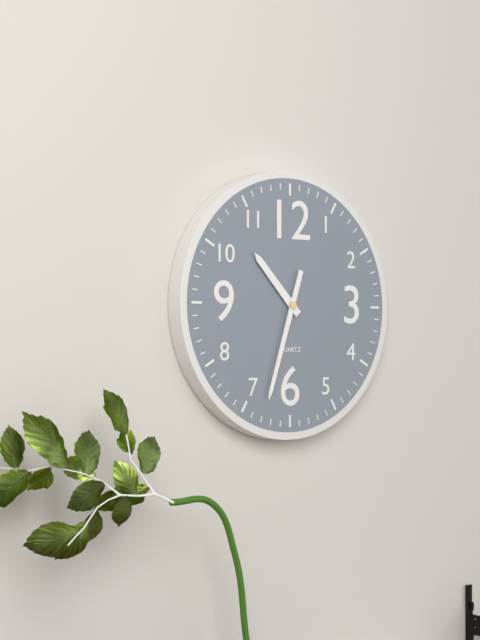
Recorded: 10 h 33 min
